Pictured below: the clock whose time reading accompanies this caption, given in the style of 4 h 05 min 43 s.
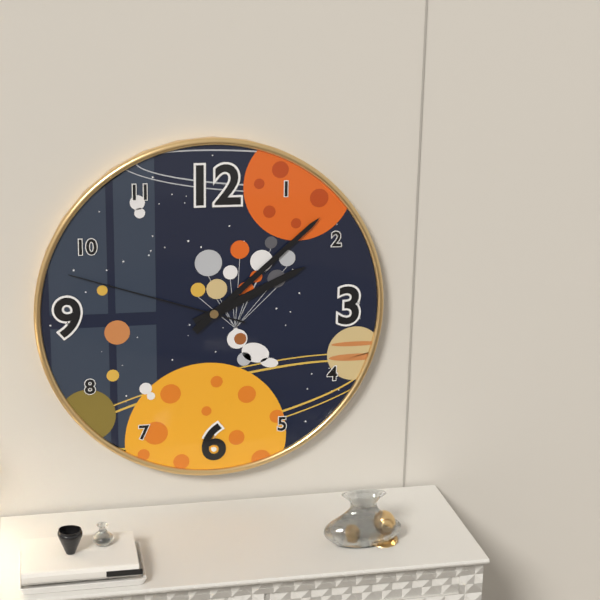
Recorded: 2 h 08 min 48 s
